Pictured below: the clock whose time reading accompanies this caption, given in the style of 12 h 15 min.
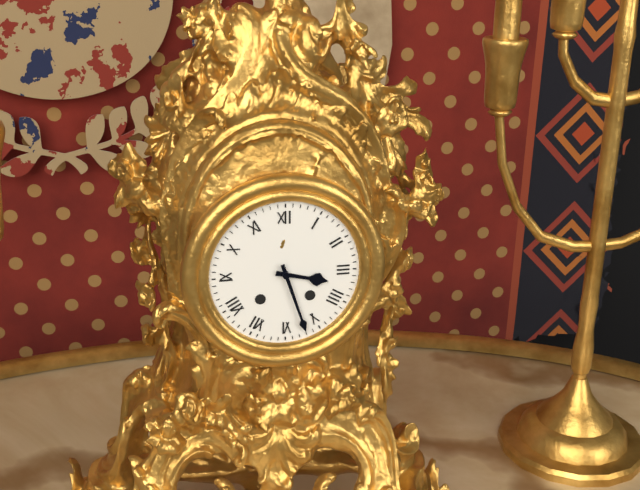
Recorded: 3 h 27 min
